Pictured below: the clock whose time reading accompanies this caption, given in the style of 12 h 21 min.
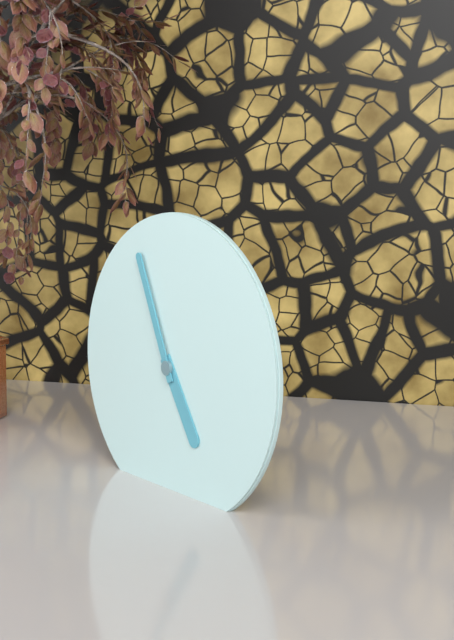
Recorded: 4 h 56 min
